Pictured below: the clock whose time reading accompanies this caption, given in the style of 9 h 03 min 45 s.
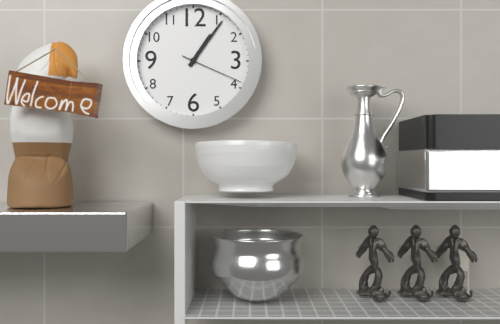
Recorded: 1 h 06 min 19 s
